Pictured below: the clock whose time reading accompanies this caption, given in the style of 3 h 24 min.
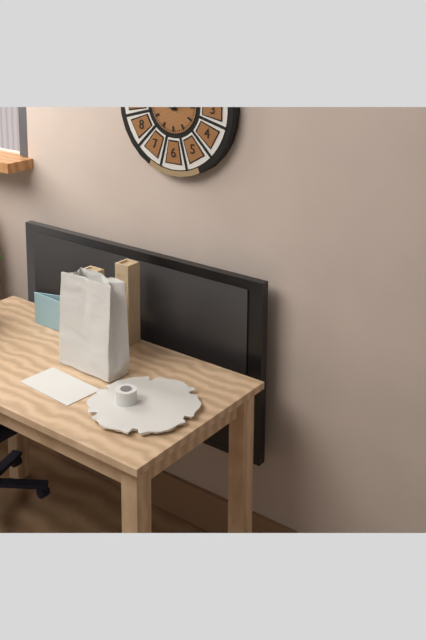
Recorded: 11 h 52 min
